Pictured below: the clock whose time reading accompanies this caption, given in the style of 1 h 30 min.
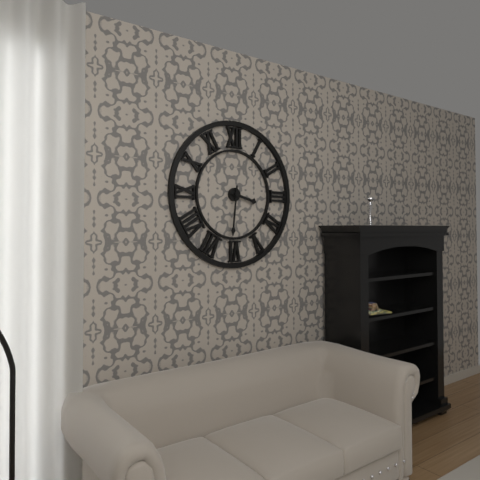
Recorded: 3 h 31 min
